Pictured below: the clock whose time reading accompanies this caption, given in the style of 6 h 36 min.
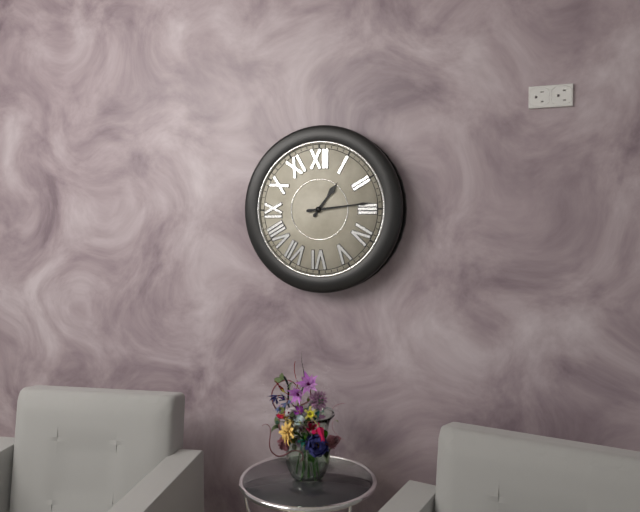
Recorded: 1 h 14 min
